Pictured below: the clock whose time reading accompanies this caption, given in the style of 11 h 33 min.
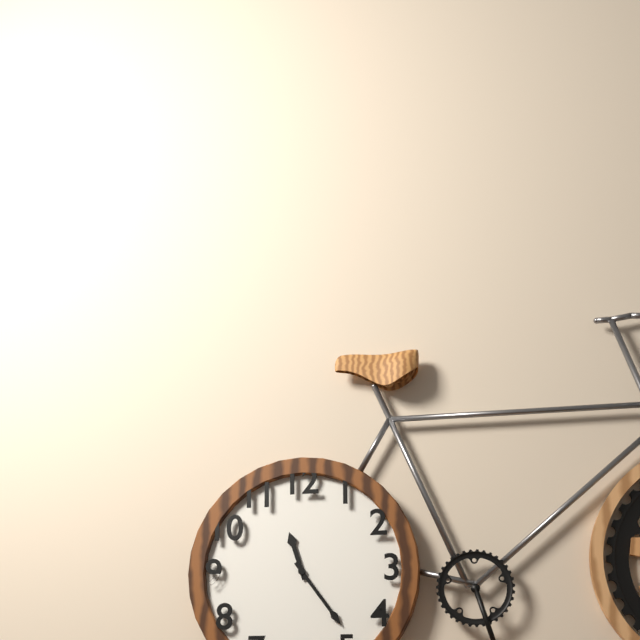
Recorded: 11 h 24 min
